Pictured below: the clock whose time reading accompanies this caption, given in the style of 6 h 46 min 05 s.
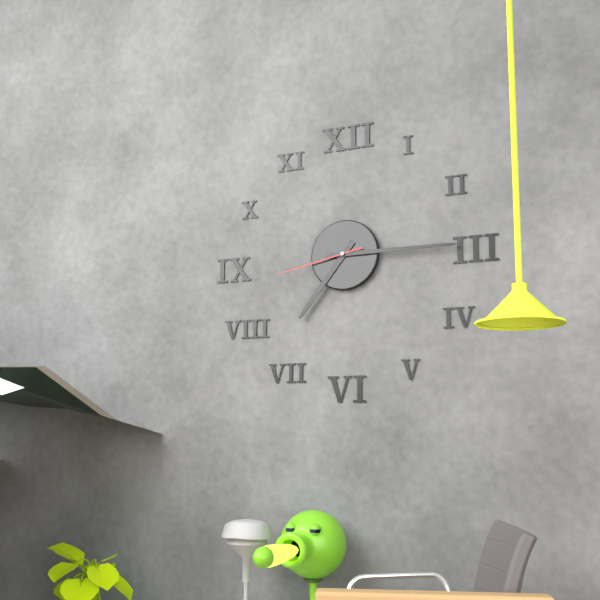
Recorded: 7 h 15 min 43 s
